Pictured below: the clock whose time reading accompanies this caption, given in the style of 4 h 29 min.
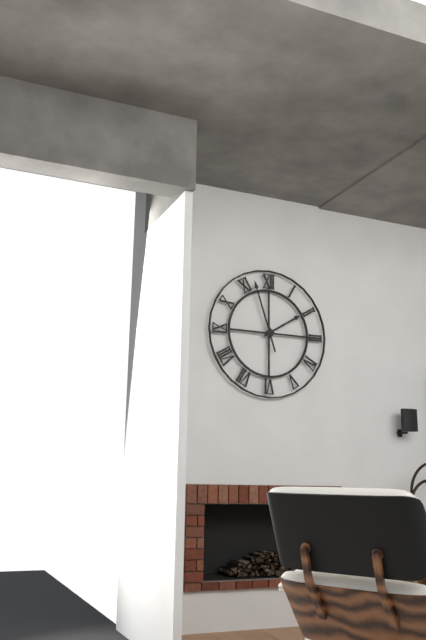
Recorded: 1 h 57 min
